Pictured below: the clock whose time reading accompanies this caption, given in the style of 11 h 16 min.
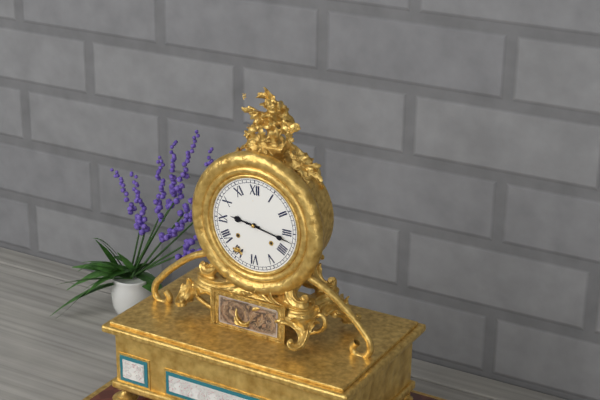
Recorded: 9 h 17 min
